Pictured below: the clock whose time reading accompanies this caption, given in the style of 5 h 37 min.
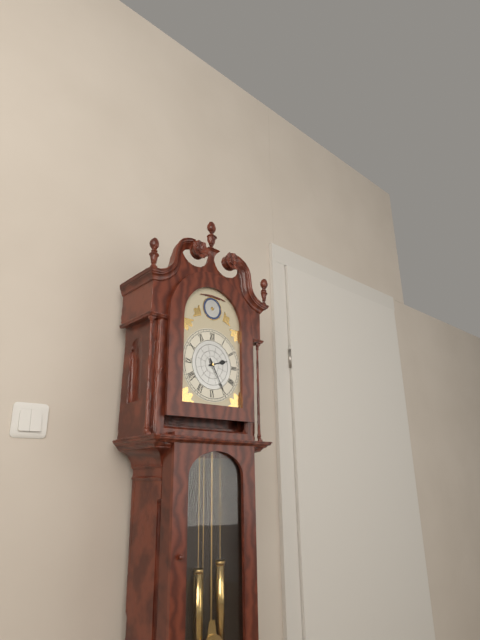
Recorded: 2 h 25 min
